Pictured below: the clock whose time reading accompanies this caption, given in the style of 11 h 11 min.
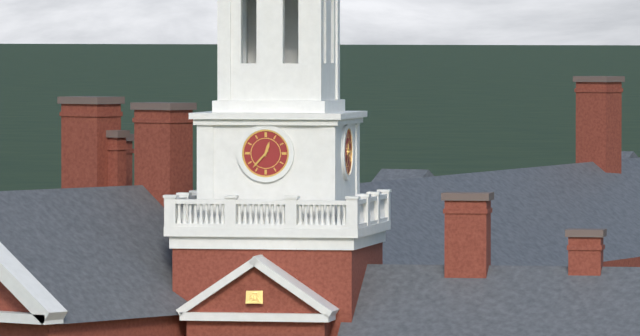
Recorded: 12 h 37 min
